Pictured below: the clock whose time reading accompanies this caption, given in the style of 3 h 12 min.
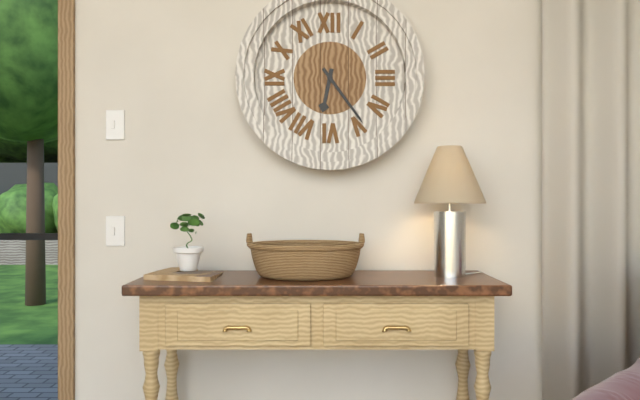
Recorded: 6 h 24 min
